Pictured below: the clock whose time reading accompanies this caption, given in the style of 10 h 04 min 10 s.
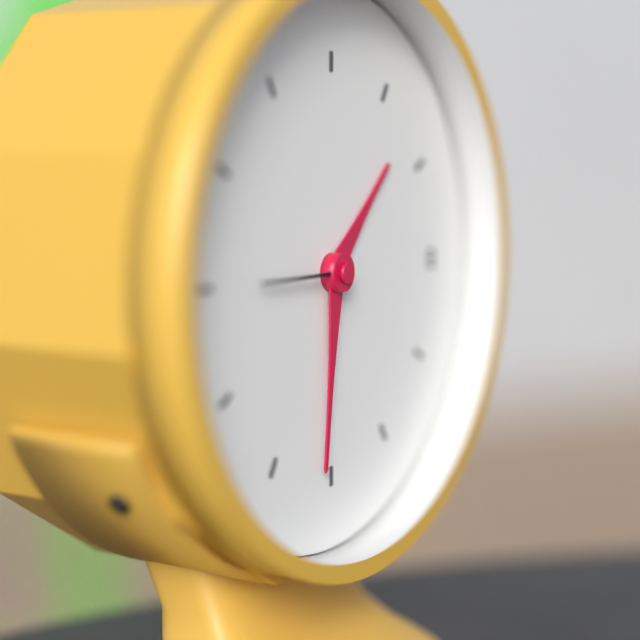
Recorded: 1 h 31 min 45 s
